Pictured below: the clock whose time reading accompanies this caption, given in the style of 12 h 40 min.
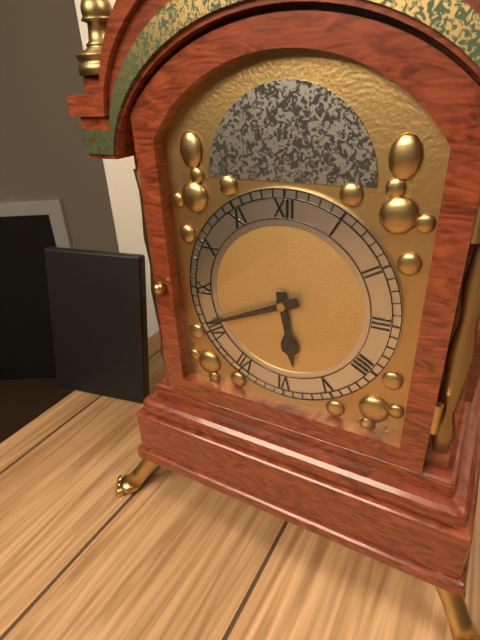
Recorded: 5 h 41 min
